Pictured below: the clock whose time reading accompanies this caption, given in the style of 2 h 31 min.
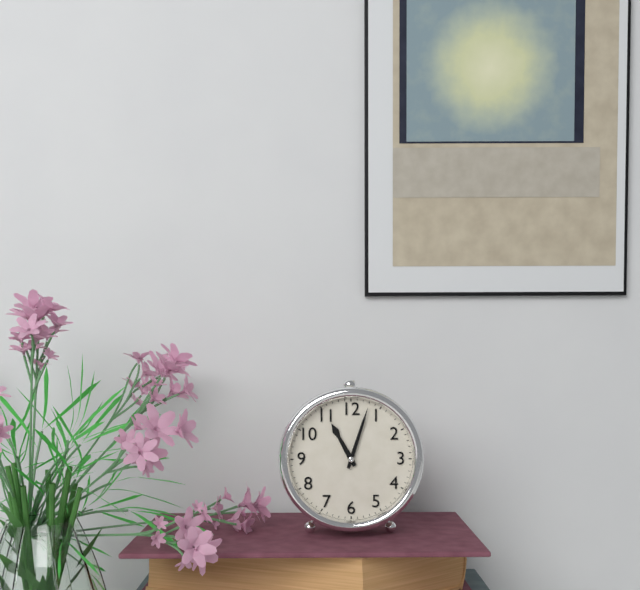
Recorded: 11 h 03 min
